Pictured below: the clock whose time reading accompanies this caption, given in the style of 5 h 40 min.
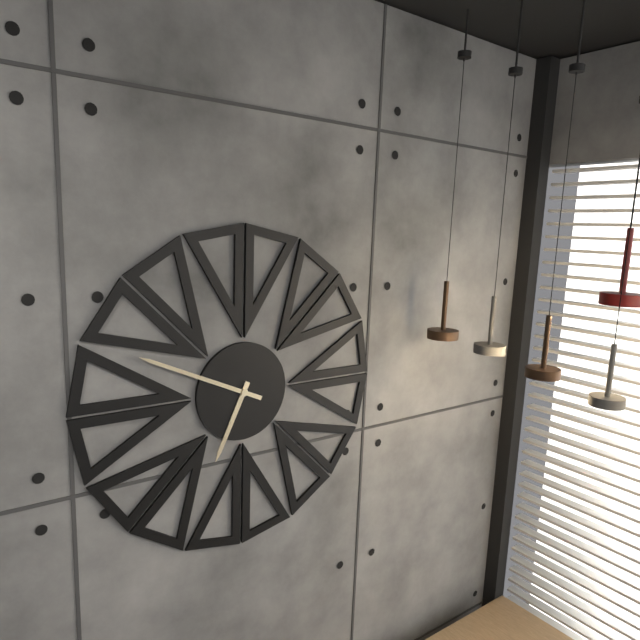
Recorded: 6 h 49 min
